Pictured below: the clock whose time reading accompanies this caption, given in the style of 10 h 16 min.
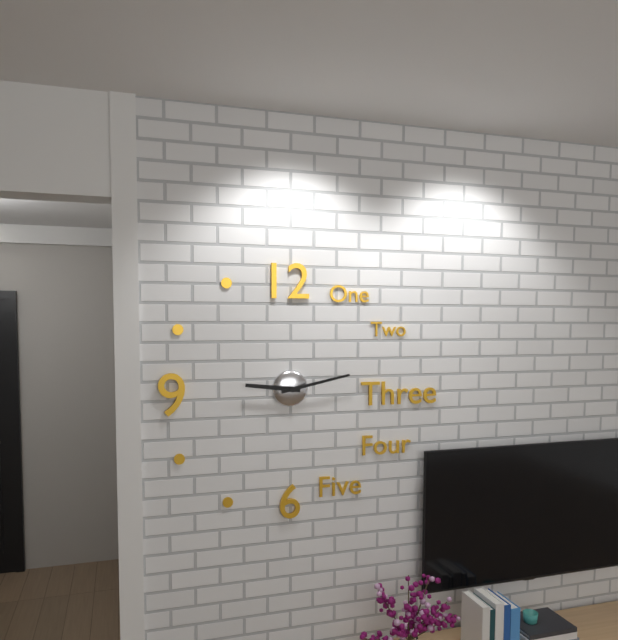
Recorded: 9 h 13 min
